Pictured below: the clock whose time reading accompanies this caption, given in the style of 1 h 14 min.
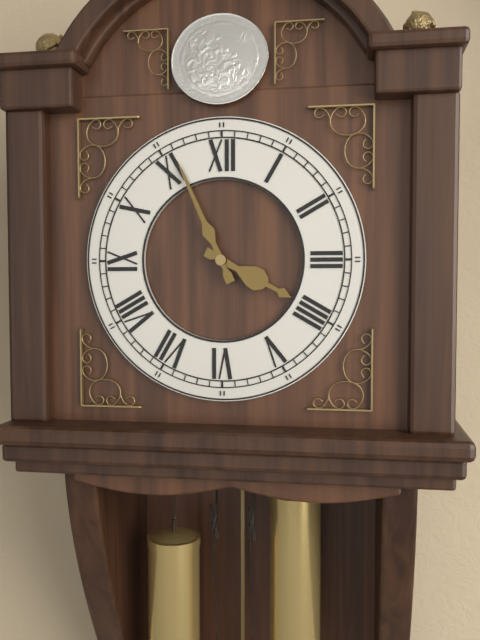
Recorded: 3 h 56 min
